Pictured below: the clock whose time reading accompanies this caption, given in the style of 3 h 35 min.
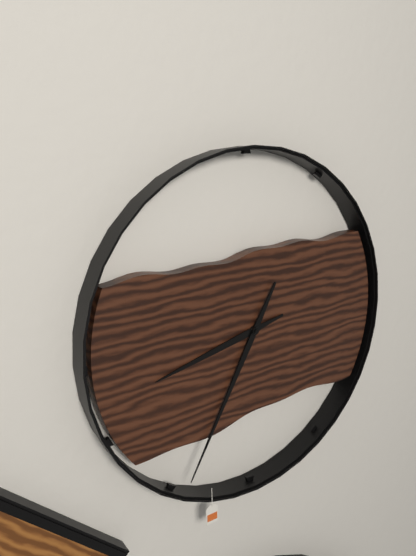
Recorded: 8 h 35 min
